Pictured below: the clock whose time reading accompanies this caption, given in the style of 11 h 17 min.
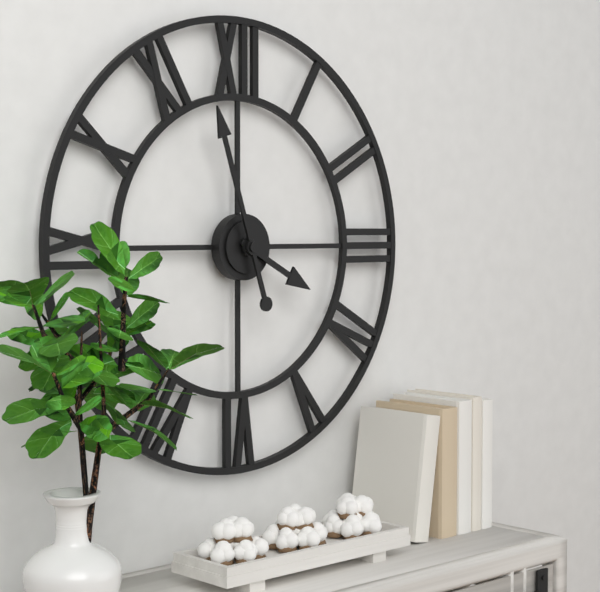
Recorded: 3 h 57 min
